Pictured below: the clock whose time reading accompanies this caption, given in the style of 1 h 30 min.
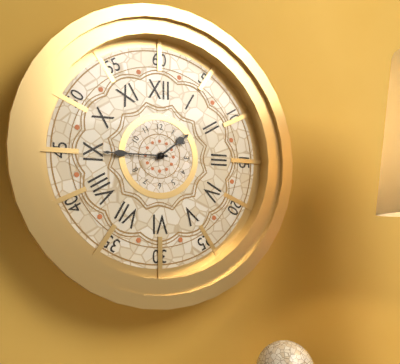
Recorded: 1 h 45 min
